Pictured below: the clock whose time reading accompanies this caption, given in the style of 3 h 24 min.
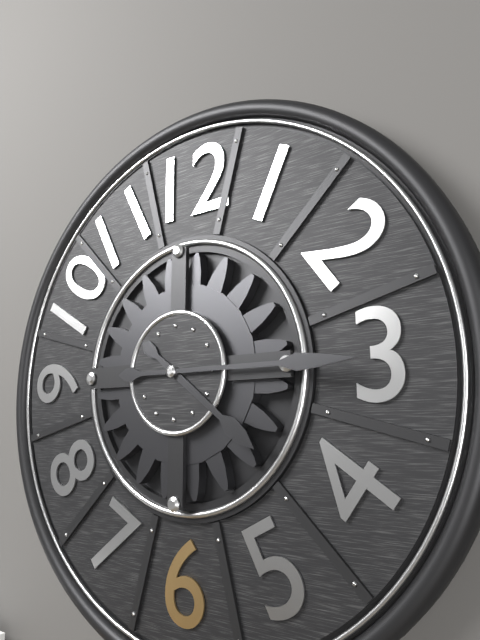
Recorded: 4 h 15 min
